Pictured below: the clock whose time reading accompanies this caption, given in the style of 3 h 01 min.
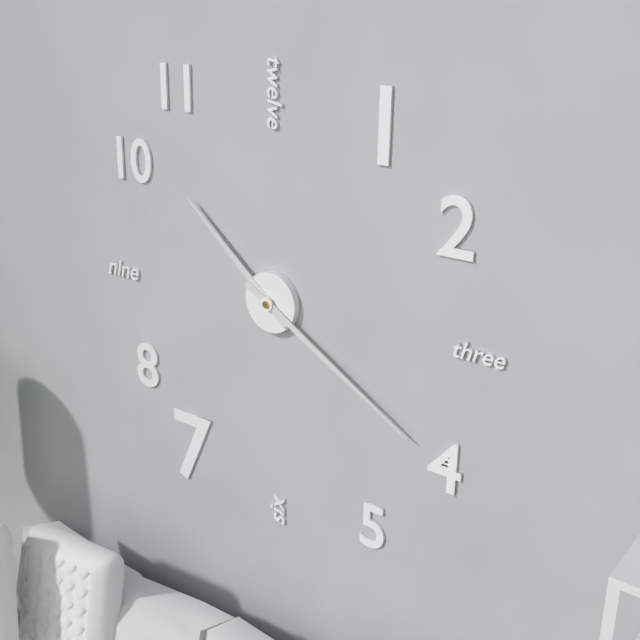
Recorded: 10 h 20 min
